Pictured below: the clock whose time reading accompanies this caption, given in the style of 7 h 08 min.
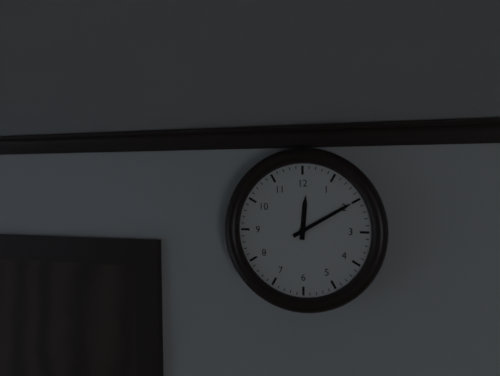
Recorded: 12 h 10 min
